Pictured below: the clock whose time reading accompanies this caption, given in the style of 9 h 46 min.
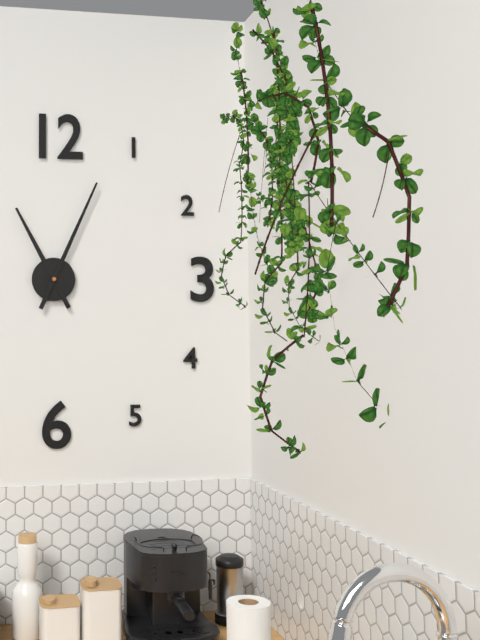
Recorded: 11 h 04 min
